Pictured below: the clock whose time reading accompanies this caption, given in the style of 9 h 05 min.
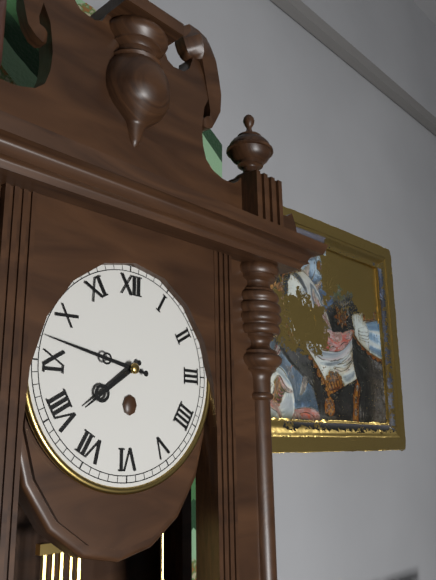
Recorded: 7 h 47 min
